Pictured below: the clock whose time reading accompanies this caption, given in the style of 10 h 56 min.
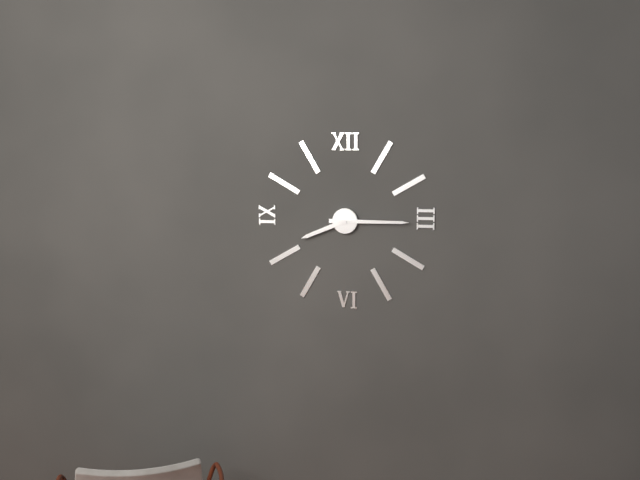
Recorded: 8 h 15 min
